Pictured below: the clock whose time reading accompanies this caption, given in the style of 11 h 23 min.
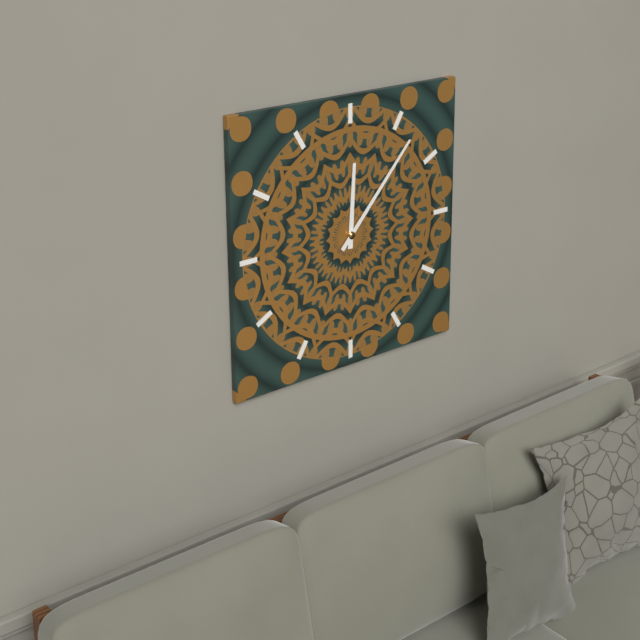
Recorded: 12 h 07 min
